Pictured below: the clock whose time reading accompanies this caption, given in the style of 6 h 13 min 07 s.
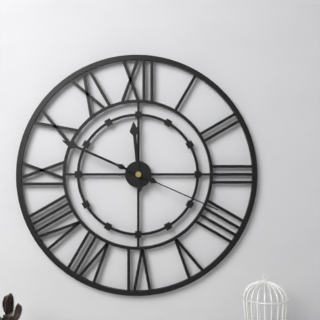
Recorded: 11 h 49 min 19 s
